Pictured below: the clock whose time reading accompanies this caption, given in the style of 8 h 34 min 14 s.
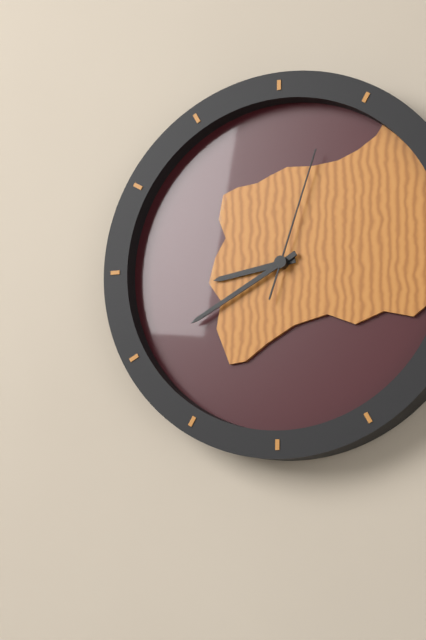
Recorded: 8 h 40 min 03 s
